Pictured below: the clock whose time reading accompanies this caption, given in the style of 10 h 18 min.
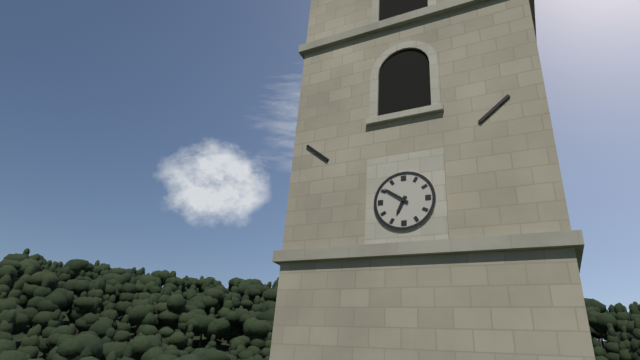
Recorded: 6 h 51 min
